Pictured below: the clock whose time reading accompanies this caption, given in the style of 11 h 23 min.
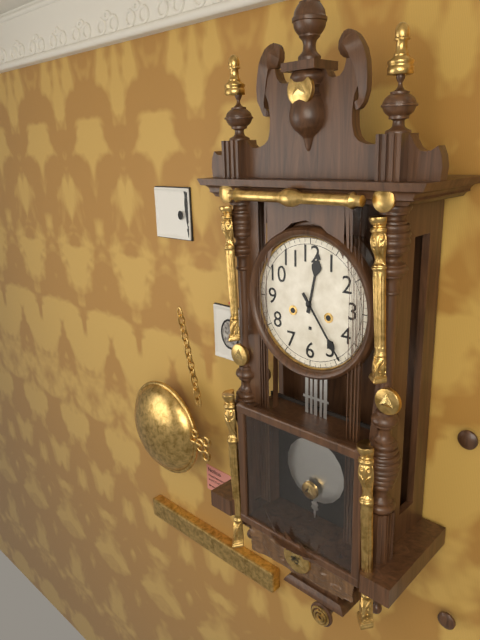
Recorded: 12 h 24 min
